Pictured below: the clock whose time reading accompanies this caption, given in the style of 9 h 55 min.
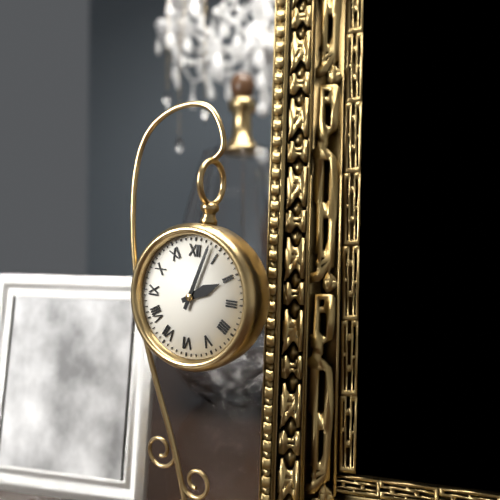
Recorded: 2 h 03 min
